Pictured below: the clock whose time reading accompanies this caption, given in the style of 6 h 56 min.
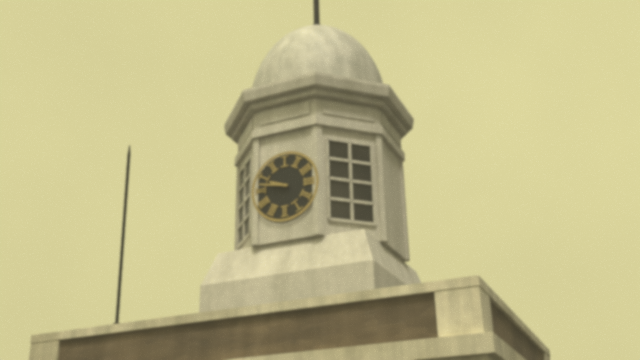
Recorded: 9 h 47 min
